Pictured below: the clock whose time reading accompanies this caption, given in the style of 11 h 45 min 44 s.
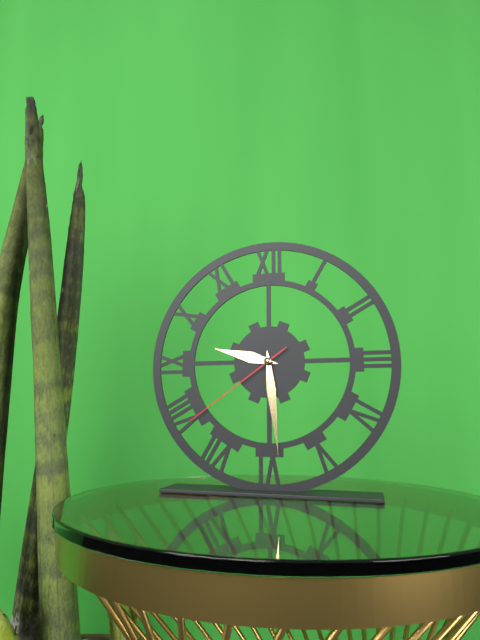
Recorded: 9 h 29 min 39 s
